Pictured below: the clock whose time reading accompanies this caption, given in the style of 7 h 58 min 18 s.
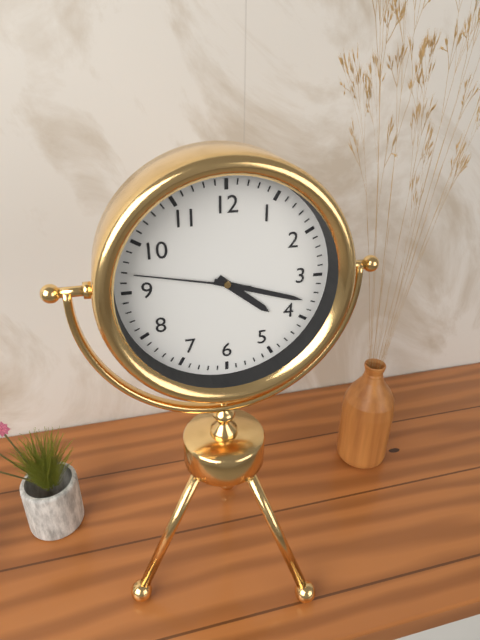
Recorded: 4 h 18 min 47 s
